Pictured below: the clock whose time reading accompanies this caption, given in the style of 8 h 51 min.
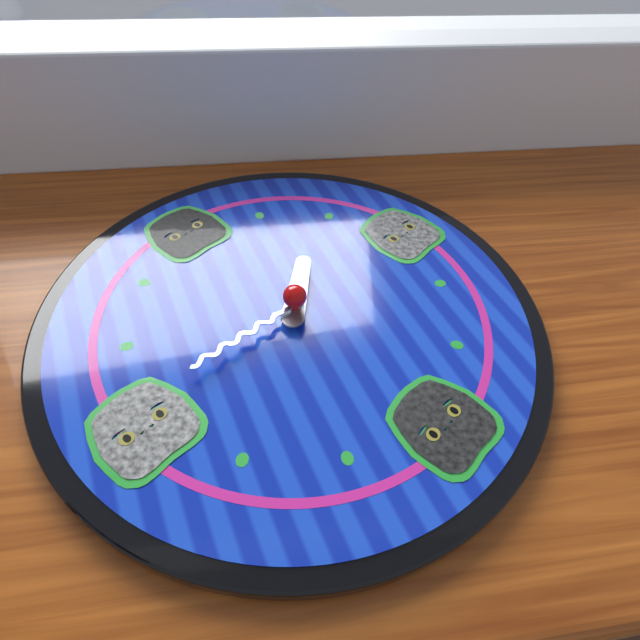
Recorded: 1 h 46 min
